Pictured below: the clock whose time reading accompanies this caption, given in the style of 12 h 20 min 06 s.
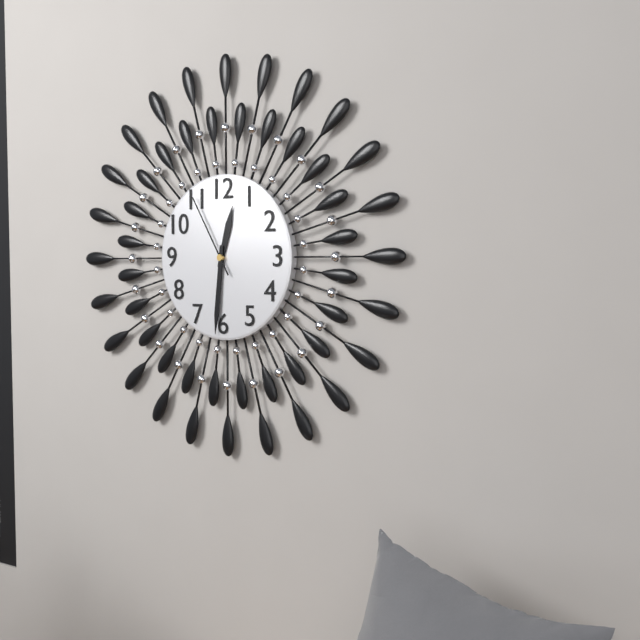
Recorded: 12 h 31 min 55 s
